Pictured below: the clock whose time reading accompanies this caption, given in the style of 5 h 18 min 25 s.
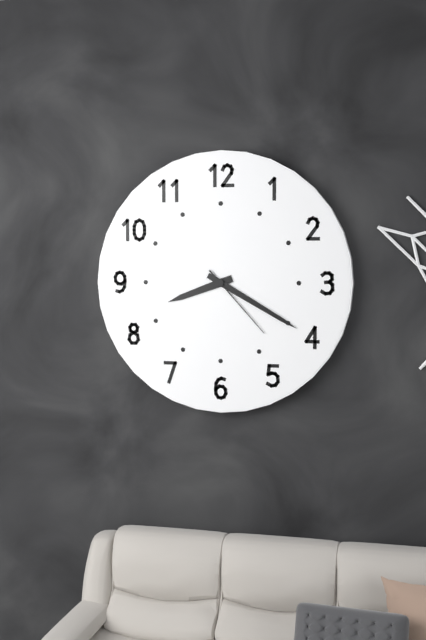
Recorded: 8 h 20 min 23 s
